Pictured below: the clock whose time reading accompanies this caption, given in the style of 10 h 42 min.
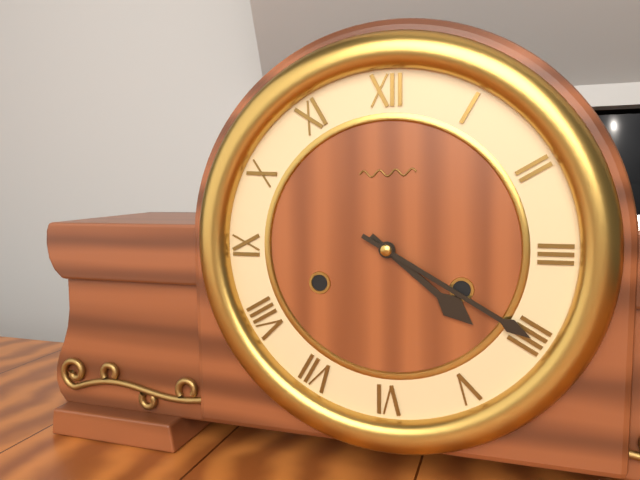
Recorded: 4 h 20 min
